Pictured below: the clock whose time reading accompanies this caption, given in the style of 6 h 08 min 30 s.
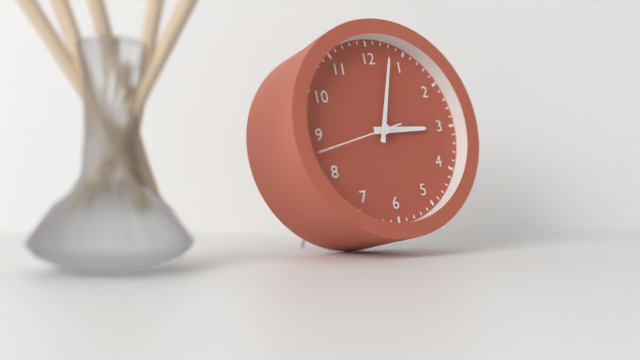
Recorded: 3 h 03 min 43 s
